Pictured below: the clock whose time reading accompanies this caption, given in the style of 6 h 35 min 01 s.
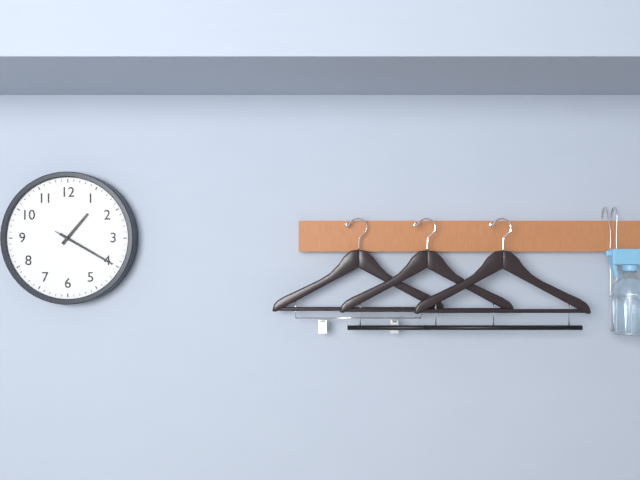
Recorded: 1 h 20 min 20 s
